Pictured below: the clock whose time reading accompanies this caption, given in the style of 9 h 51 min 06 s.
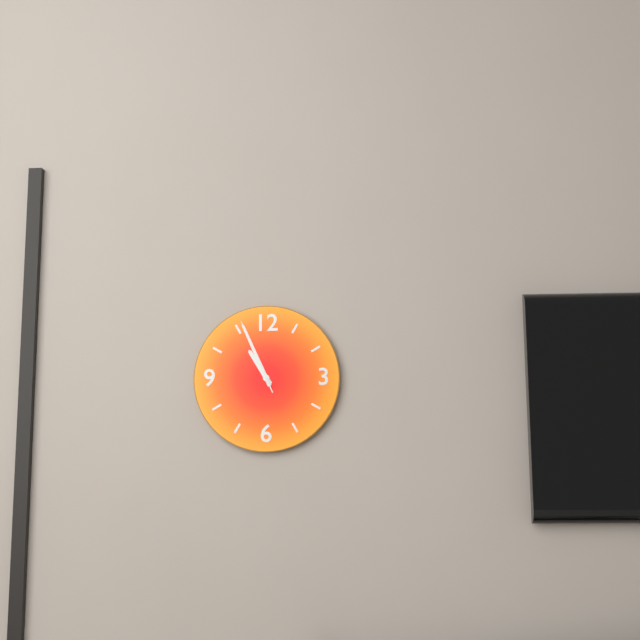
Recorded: 10 h 56 min 56 s
